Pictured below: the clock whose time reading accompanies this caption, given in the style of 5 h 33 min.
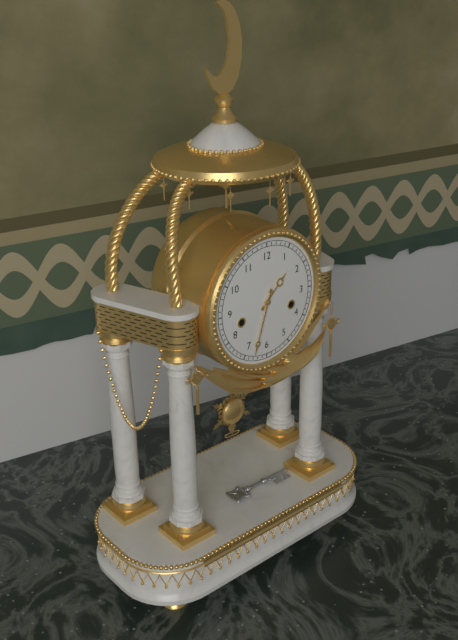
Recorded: 1 h 33 min
